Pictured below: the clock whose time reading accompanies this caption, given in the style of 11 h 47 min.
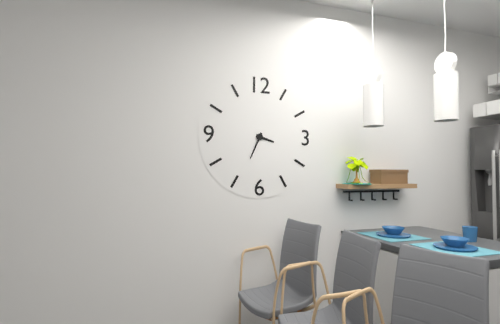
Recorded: 3 h 34 min
